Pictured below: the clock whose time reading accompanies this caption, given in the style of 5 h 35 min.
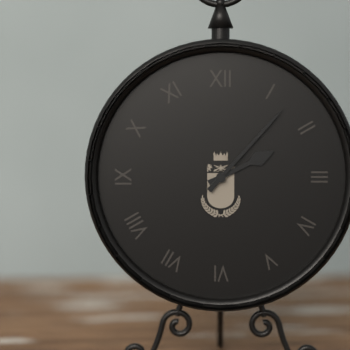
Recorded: 2 h 07 min
